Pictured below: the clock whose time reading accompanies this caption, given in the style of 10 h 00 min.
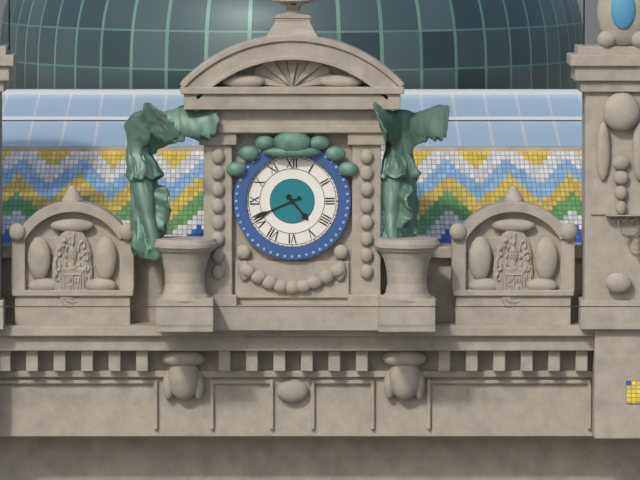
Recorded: 4 h 41 min
